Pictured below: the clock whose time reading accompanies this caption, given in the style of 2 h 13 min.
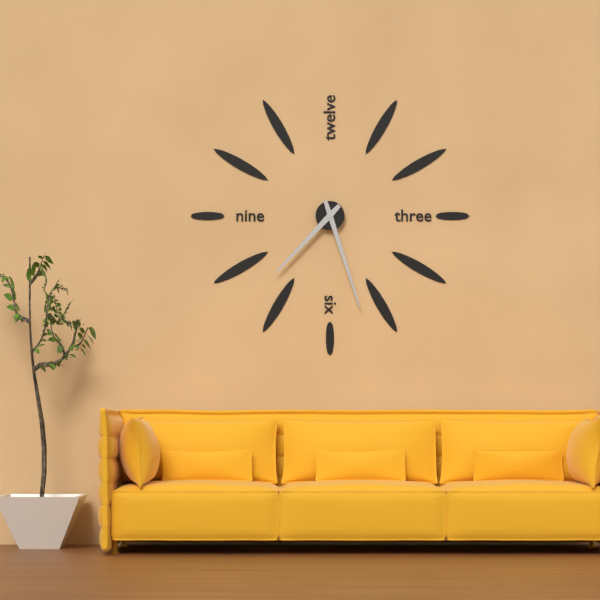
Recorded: 7 h 27 min
